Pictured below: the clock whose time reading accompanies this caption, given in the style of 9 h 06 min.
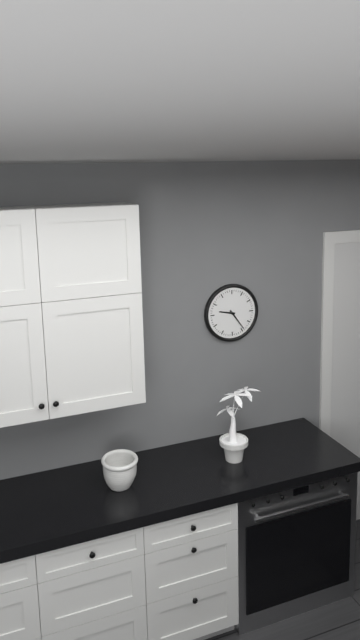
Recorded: 9 h 24 min
